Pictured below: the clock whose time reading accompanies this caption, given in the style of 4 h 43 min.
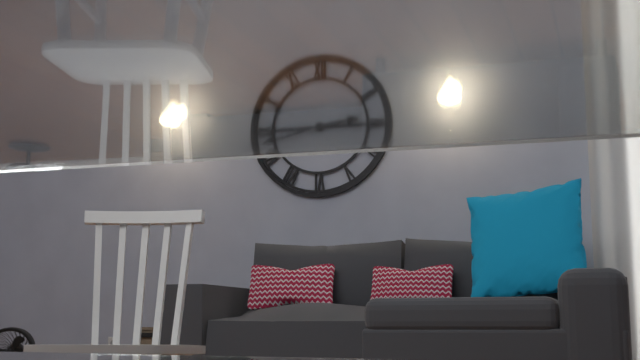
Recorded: 2 h 43 min
